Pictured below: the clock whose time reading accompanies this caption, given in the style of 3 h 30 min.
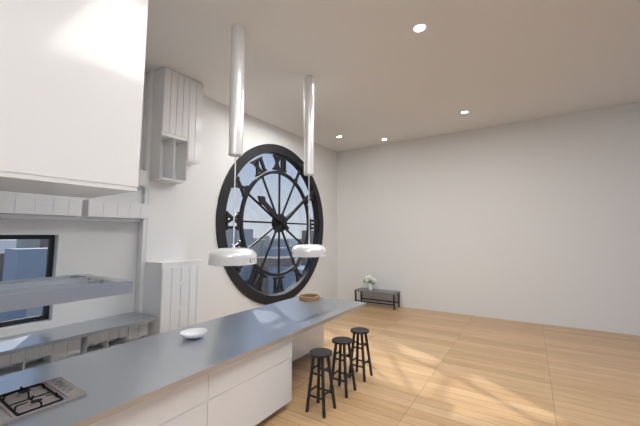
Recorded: 10 h 09 min
